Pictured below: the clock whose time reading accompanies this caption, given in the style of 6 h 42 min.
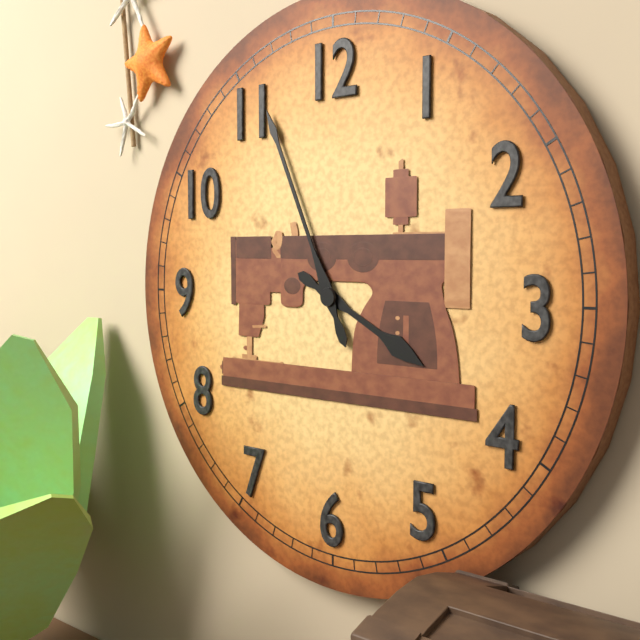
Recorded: 3 h 56 min
